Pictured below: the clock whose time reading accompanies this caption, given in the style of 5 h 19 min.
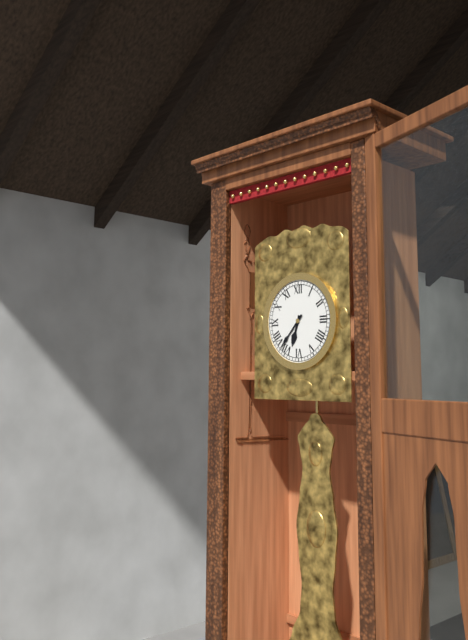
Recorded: 6 h 37 min
